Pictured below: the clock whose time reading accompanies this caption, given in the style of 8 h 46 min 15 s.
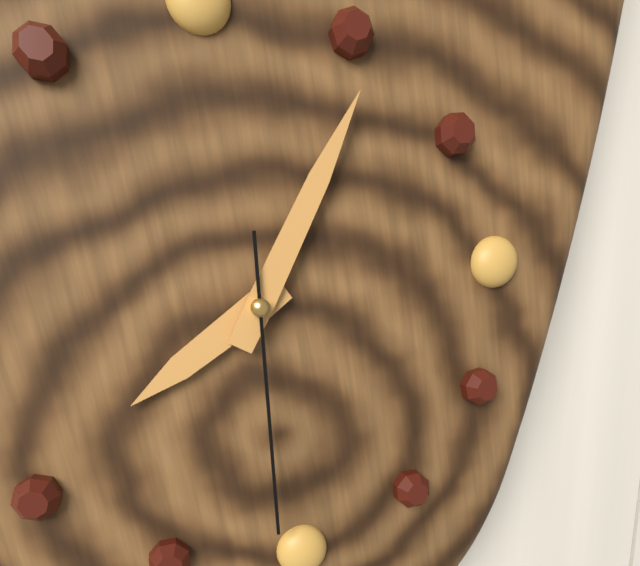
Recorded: 8 h 06 min 31 s
